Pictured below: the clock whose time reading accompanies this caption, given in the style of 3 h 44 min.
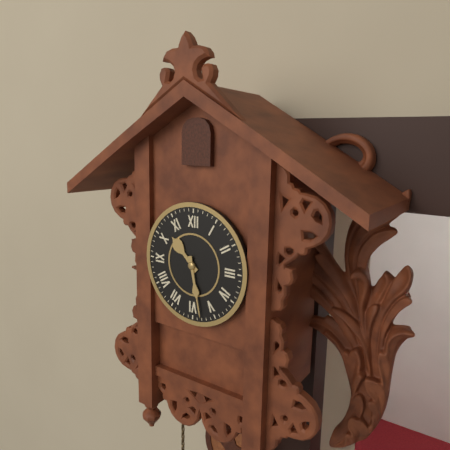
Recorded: 10 h 28 min
